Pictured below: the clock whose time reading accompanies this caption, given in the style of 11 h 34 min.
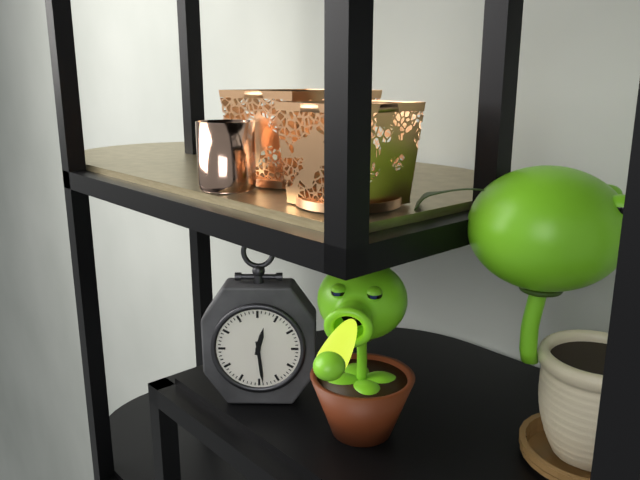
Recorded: 12 h 29 min
